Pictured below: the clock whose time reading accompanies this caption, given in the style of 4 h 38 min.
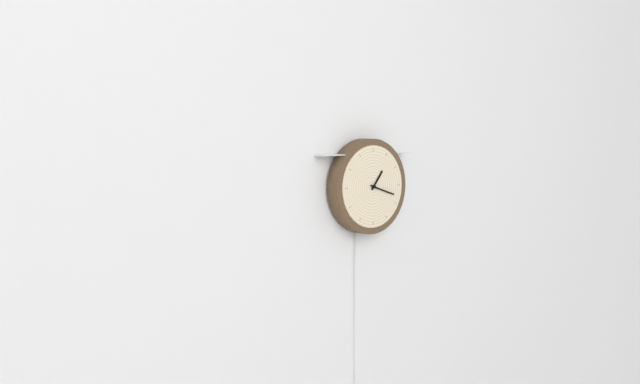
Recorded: 1 h 18 min
